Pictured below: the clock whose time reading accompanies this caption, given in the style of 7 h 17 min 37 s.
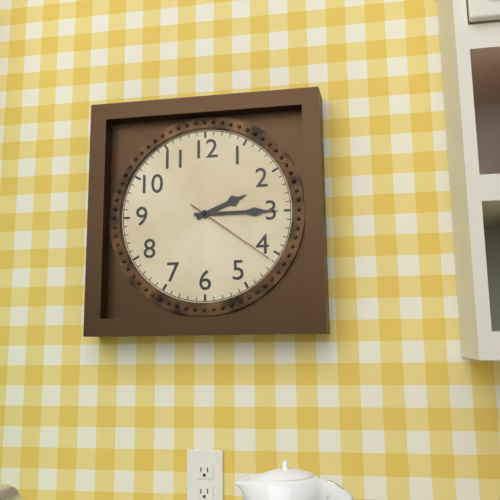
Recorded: 2 h 15 min 21 s
